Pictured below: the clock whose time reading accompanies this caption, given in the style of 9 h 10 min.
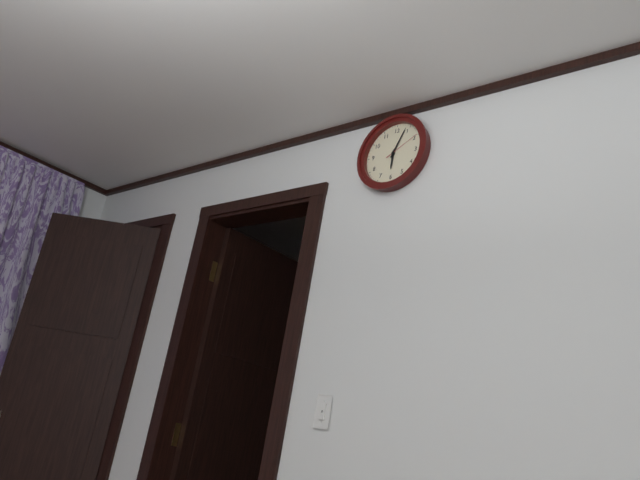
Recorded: 6 h 04 min
